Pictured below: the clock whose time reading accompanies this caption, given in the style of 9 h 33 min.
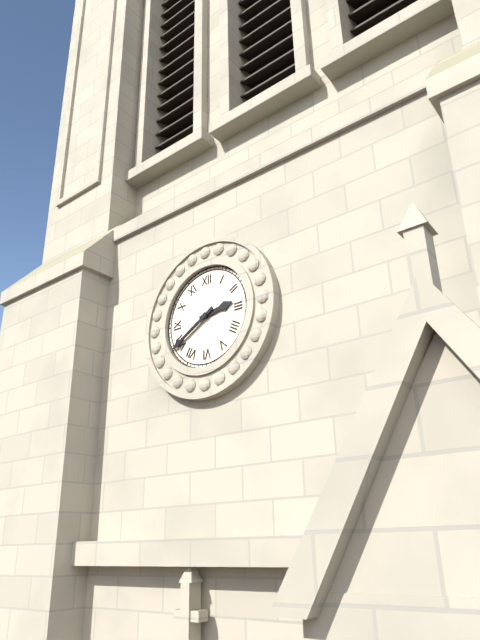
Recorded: 2 h 40 min
